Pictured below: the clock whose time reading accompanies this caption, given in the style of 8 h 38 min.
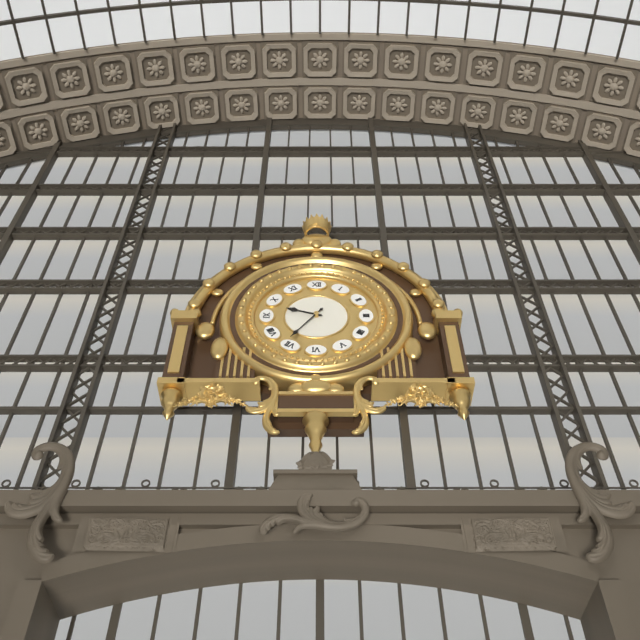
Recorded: 9 h 36 min
